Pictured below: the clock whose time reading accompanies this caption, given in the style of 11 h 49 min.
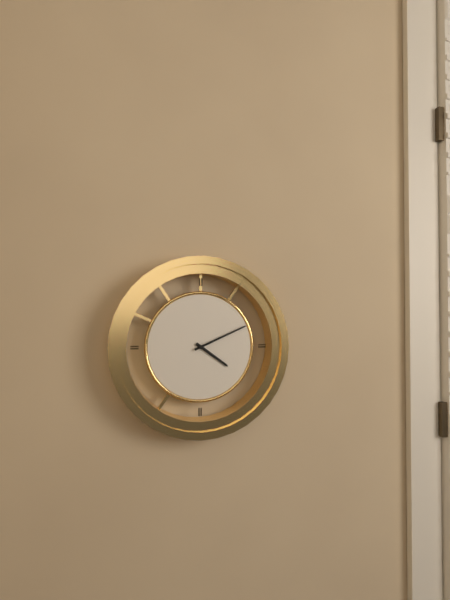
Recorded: 4 h 11 min
